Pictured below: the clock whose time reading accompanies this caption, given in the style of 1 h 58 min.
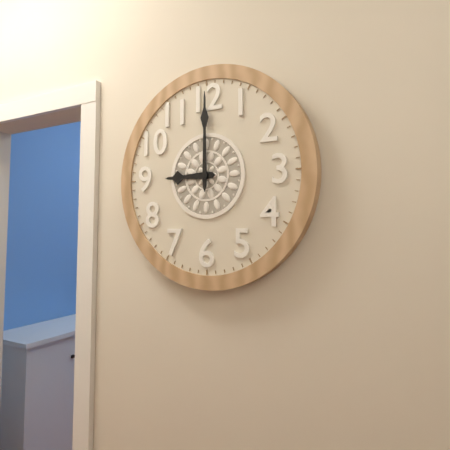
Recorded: 9 h 00 min
